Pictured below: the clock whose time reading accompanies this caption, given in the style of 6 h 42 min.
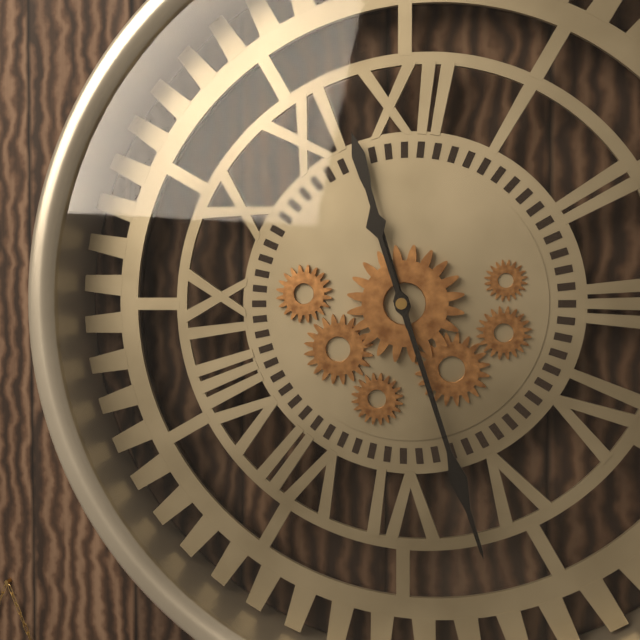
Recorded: 11 h 27 min
